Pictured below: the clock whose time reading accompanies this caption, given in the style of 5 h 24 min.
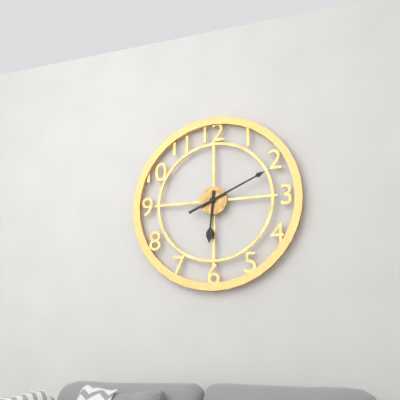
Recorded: 6 h 11 min
